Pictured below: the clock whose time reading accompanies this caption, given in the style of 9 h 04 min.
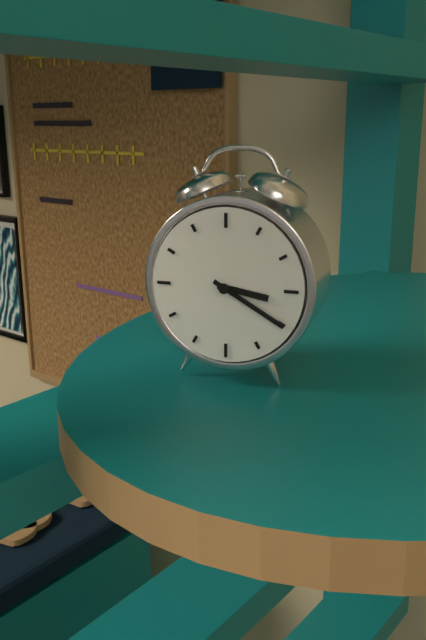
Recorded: 3 h 20 min
